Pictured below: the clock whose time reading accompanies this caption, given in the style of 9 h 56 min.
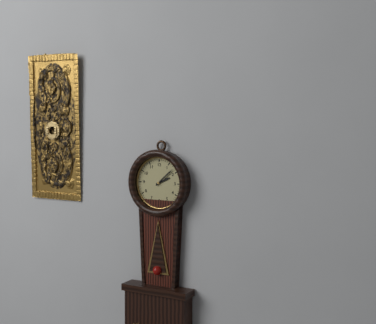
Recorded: 2 h 08 min
